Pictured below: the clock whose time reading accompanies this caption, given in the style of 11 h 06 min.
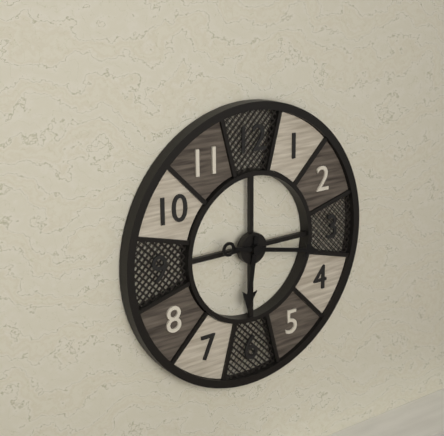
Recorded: 6 h 17 min
